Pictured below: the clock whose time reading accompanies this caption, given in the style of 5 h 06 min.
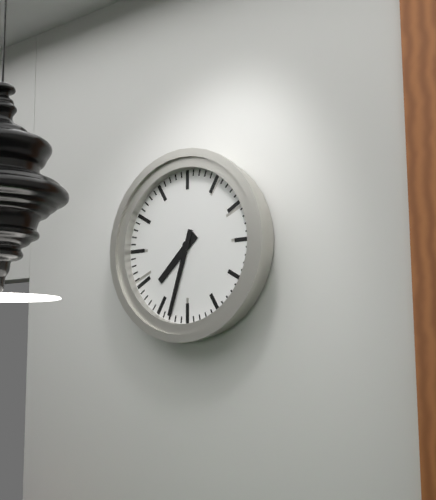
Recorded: 7 h 33 min
